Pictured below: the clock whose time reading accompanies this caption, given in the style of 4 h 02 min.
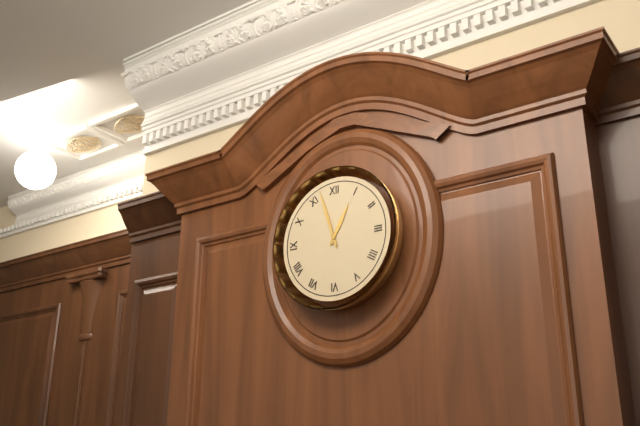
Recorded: 12 h 57 min
